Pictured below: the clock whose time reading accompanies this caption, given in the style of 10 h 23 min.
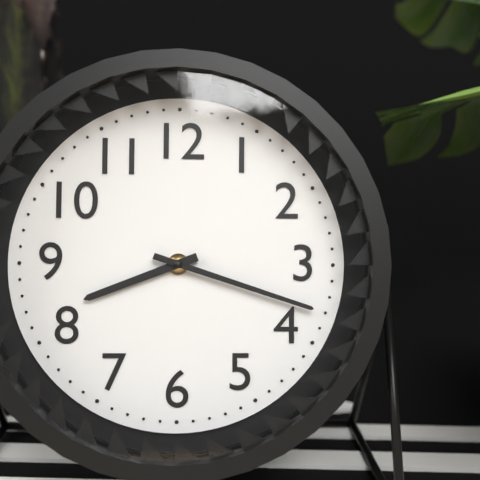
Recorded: 8 h 18 min
